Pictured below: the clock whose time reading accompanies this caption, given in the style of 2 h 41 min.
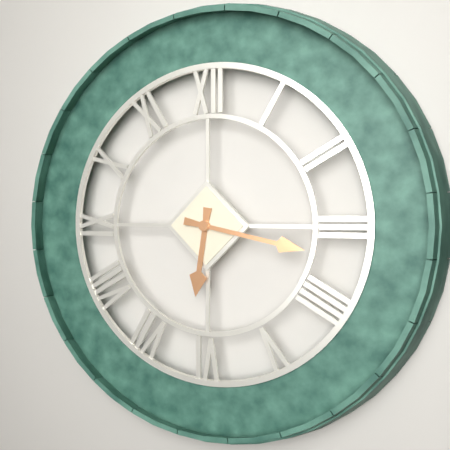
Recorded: 6 h 17 min
